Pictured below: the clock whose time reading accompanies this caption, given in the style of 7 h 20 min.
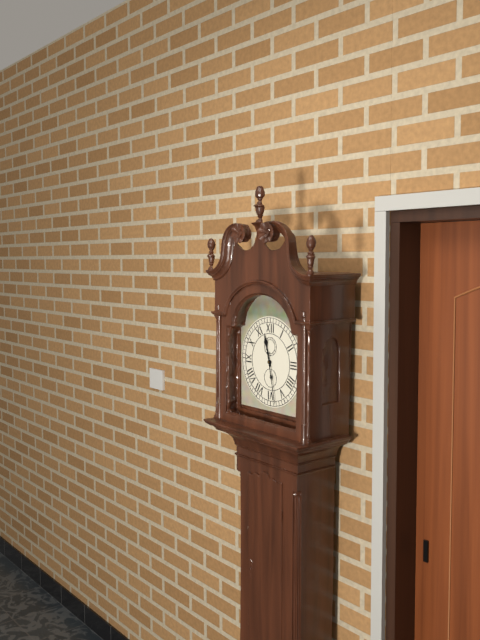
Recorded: 11 h 28 min
